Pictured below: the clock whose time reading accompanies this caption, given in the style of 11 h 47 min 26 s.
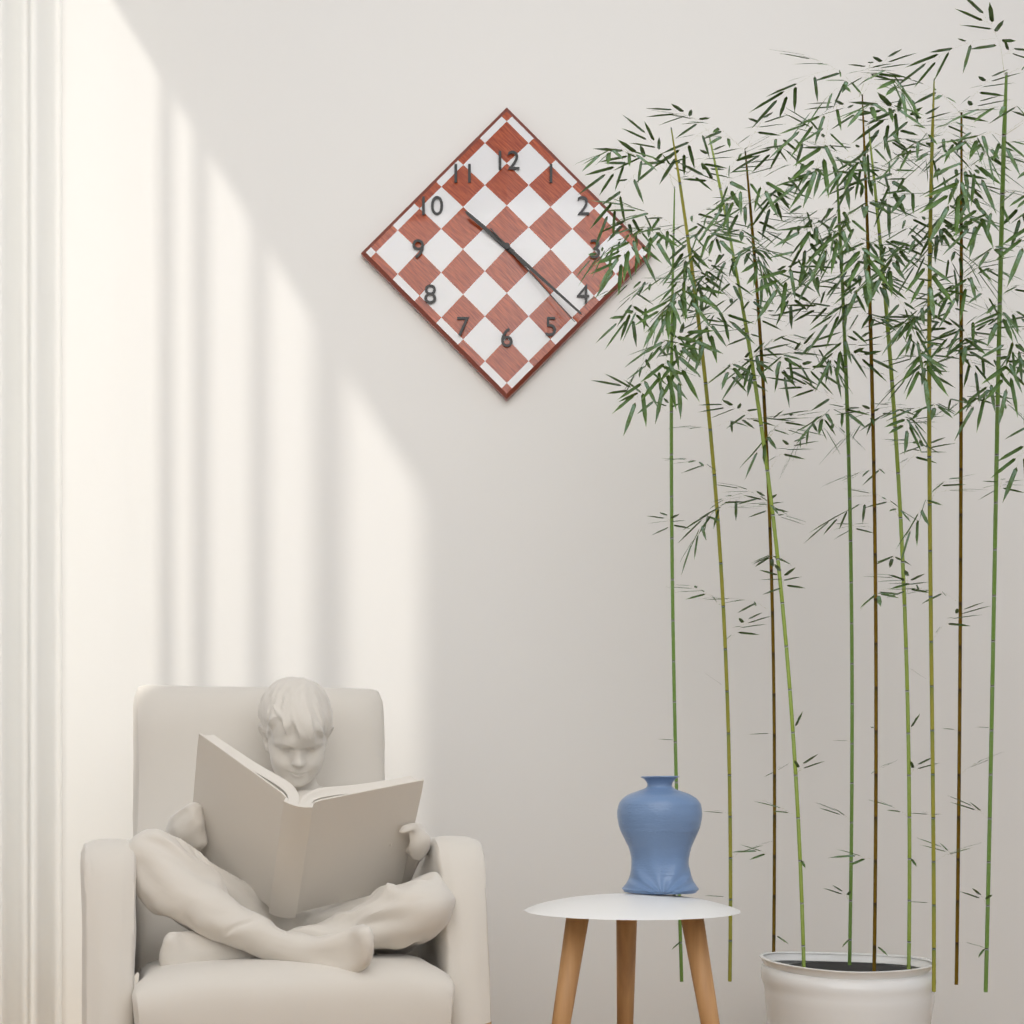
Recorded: 10 h 22 min 23 s
